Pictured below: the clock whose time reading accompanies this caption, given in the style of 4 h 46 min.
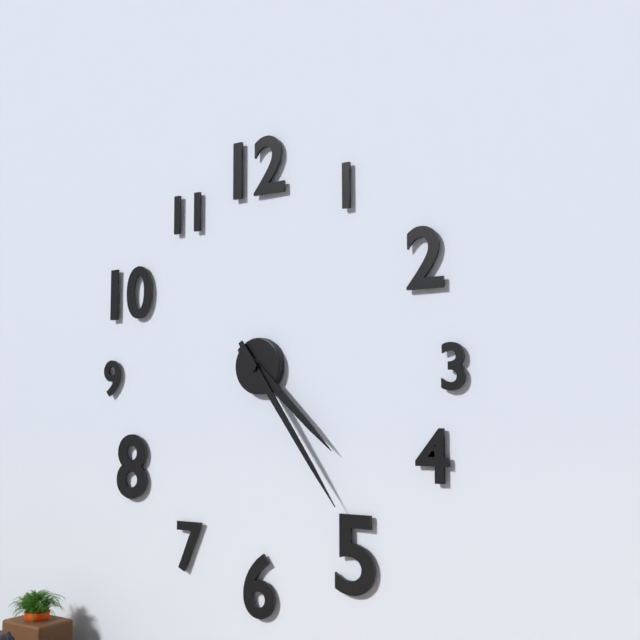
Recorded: 4 h 24 min
